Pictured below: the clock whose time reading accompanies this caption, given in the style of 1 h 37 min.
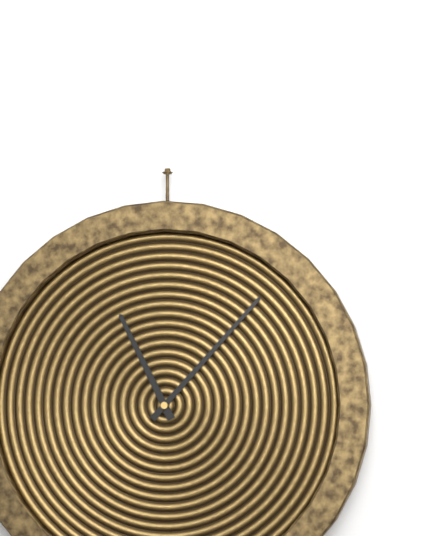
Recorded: 11 h 07 min
